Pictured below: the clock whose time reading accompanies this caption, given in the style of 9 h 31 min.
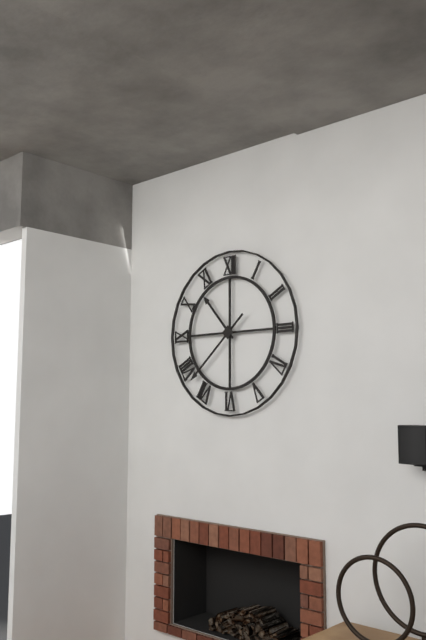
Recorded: 10 h 38 min
